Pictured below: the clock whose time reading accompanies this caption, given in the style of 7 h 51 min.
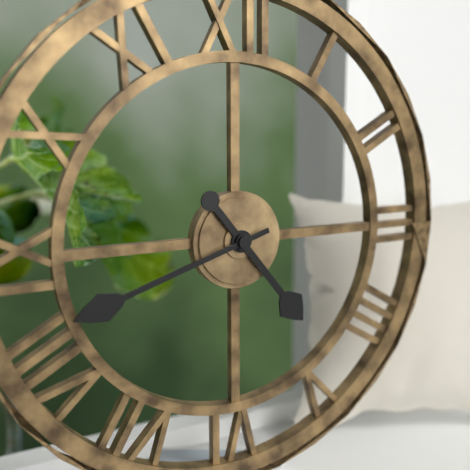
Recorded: 4 h 42 min
